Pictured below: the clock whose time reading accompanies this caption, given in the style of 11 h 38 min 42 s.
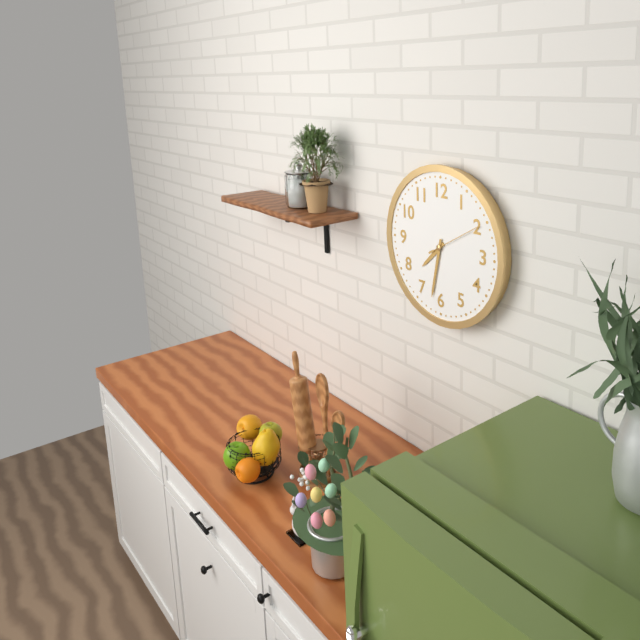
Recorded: 7 h 32 min 10 s
